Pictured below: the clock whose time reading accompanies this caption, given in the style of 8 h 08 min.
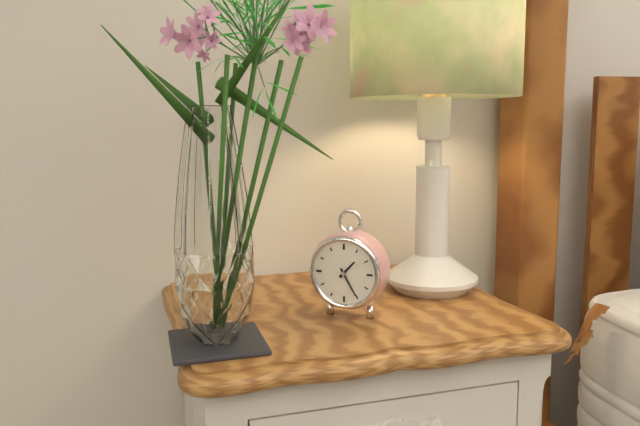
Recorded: 1 h 25 min
